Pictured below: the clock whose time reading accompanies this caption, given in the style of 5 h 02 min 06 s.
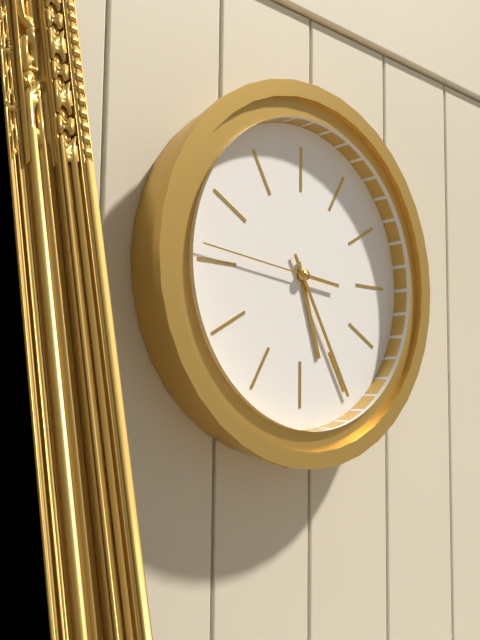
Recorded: 5 h 25 min 46 s
